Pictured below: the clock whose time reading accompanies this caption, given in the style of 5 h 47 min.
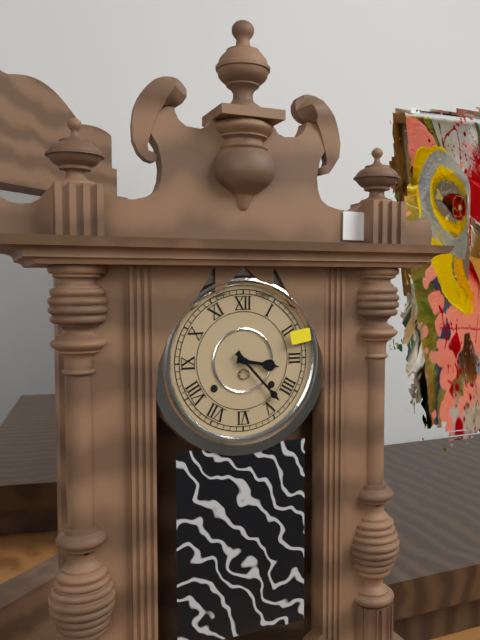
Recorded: 3 h 23 min
